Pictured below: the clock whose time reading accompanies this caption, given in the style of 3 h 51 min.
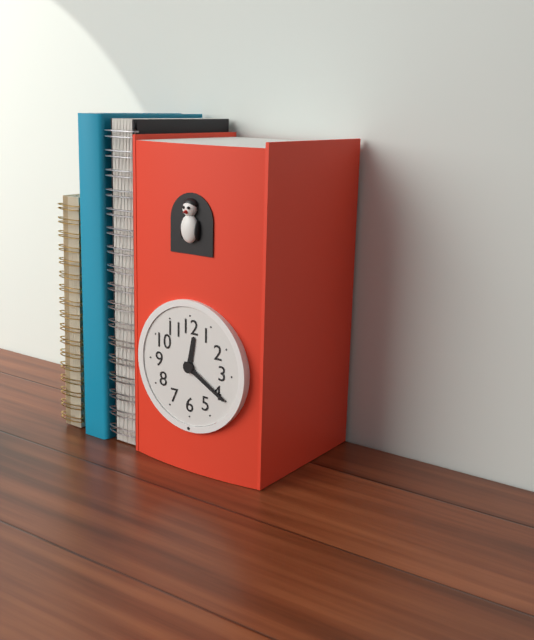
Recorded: 12 h 20 min
